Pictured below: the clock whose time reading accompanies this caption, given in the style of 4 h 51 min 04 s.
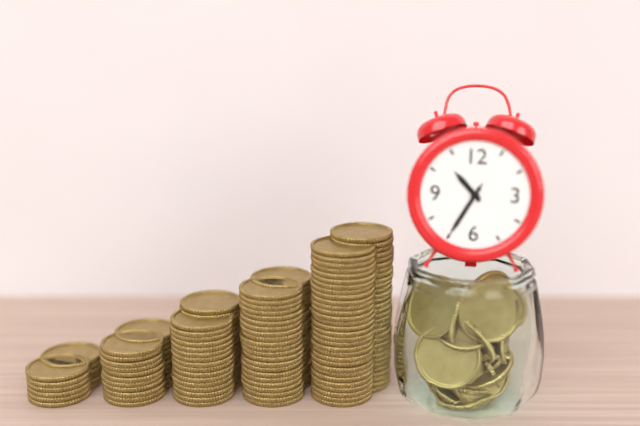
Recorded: 10 h 35 min 35 s
